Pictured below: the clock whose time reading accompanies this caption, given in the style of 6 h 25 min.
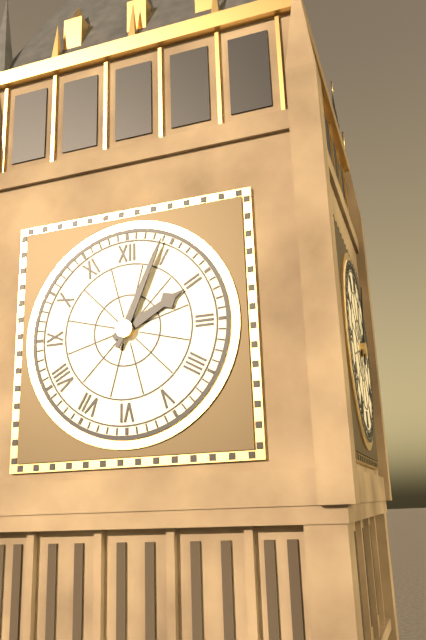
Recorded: 2 h 04 min
